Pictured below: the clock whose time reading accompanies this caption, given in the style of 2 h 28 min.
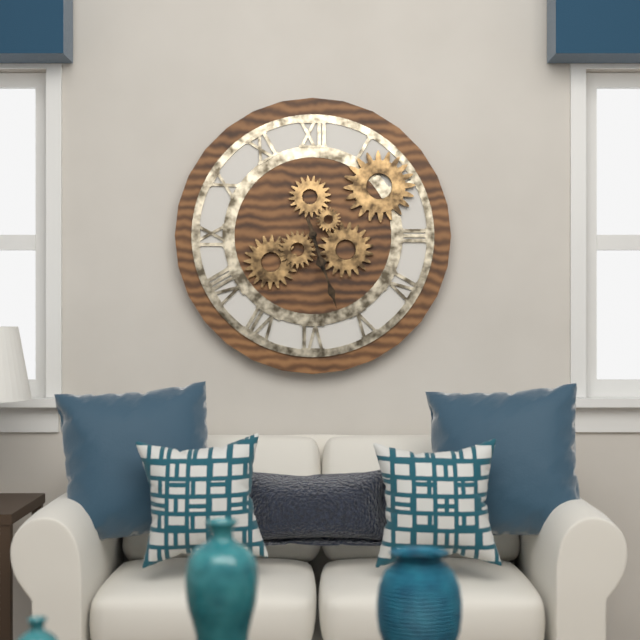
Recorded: 5 h 27 min
